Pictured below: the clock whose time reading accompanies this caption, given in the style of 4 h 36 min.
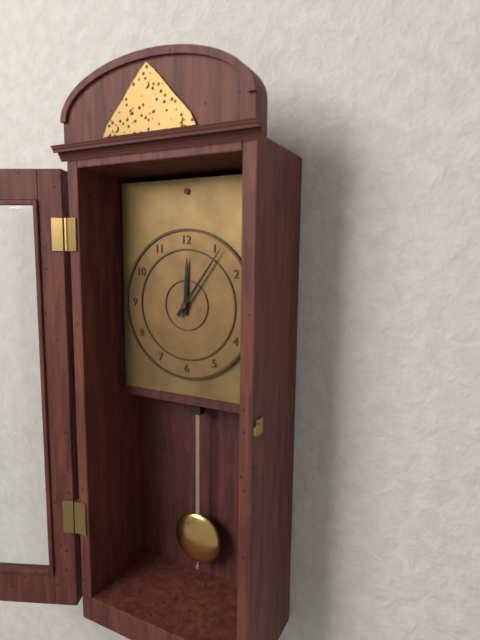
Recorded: 12 h 06 min
